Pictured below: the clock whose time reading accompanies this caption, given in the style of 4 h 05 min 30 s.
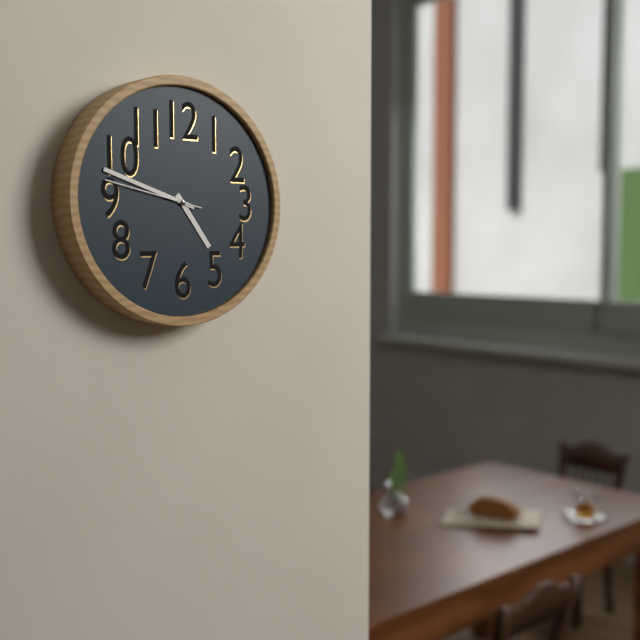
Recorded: 4 h 48 min 47 s
